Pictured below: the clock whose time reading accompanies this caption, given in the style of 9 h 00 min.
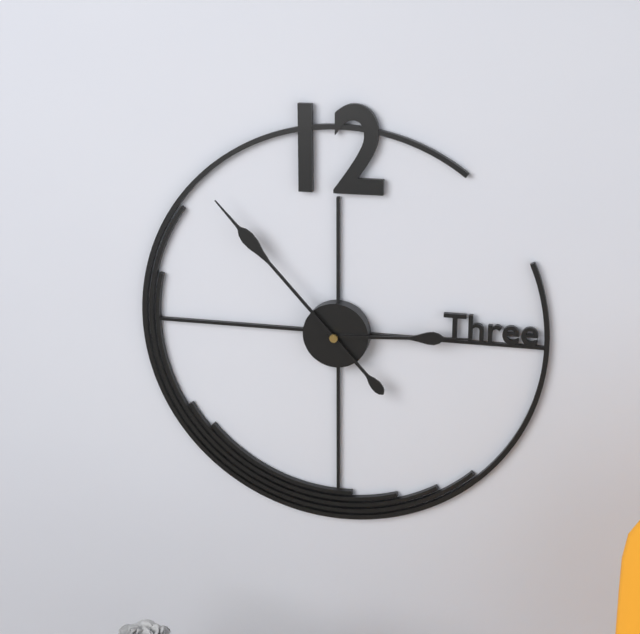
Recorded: 2 h 53 min
